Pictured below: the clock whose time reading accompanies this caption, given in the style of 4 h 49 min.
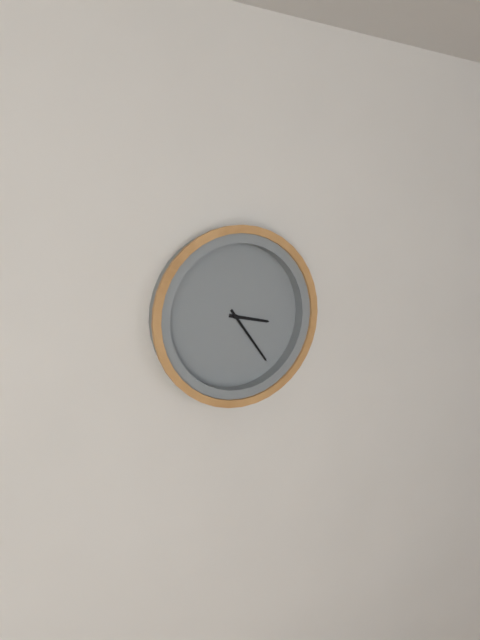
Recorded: 3 h 24 min
